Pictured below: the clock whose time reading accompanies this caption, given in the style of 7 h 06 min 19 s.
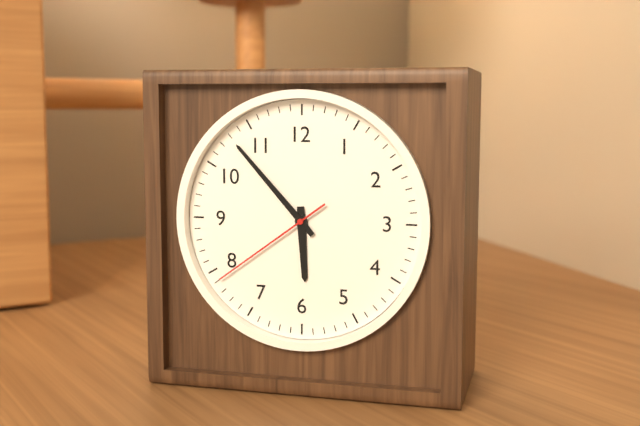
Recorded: 5 h 53 min 39 s
